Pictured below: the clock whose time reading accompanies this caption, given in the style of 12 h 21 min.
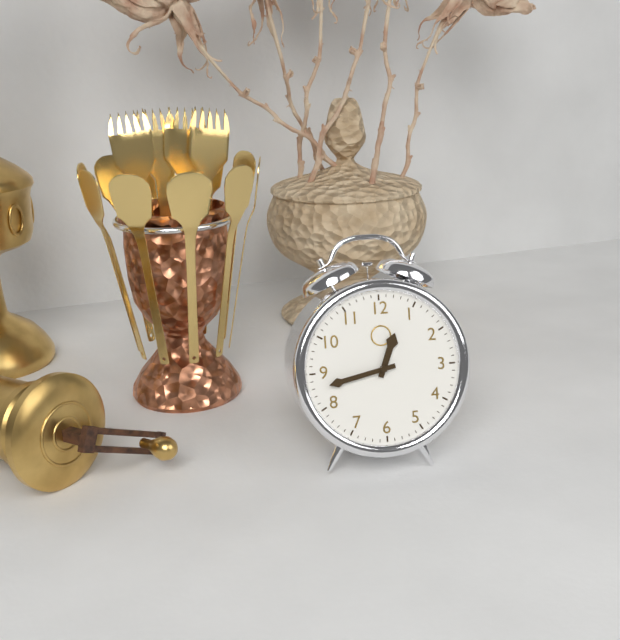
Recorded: 12 h 43 min
